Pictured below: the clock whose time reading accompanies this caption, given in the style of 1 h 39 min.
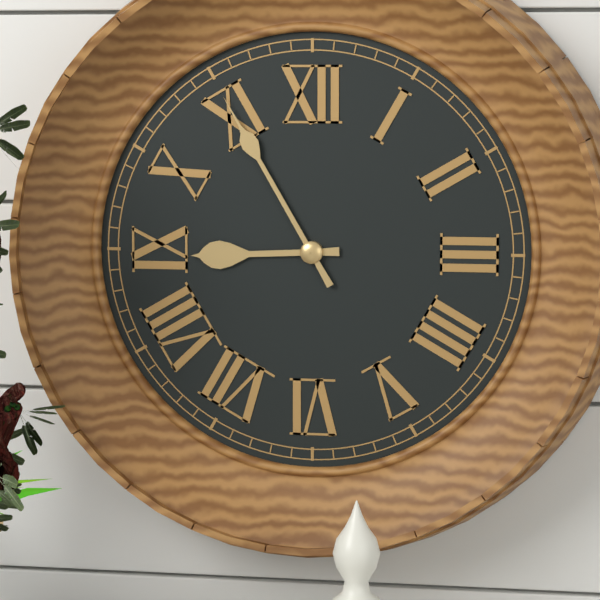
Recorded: 8 h 55 min
